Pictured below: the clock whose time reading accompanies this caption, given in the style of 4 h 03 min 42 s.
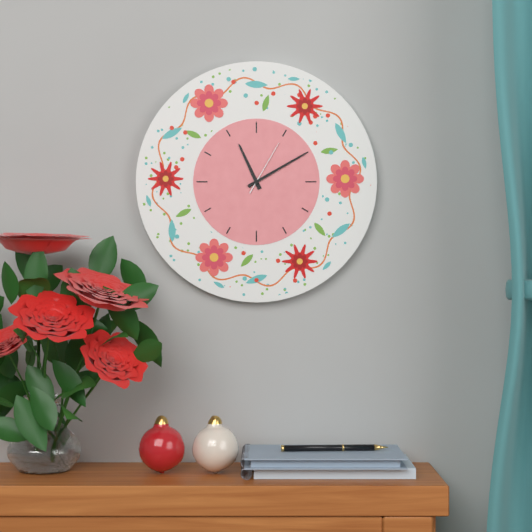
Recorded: 11 h 10 min 05 s
